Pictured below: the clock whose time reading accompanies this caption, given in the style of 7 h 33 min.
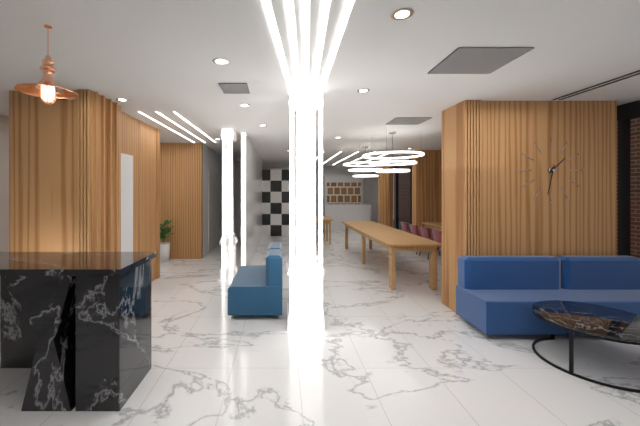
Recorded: 1 h 32 min
